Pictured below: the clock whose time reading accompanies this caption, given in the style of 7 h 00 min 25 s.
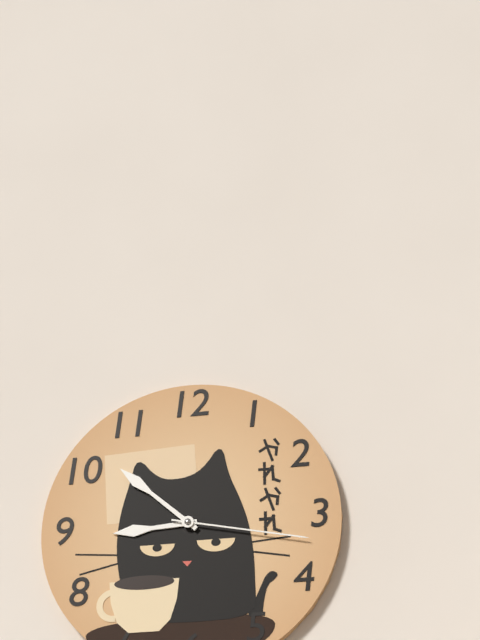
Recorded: 8 h 52 min 17 s
